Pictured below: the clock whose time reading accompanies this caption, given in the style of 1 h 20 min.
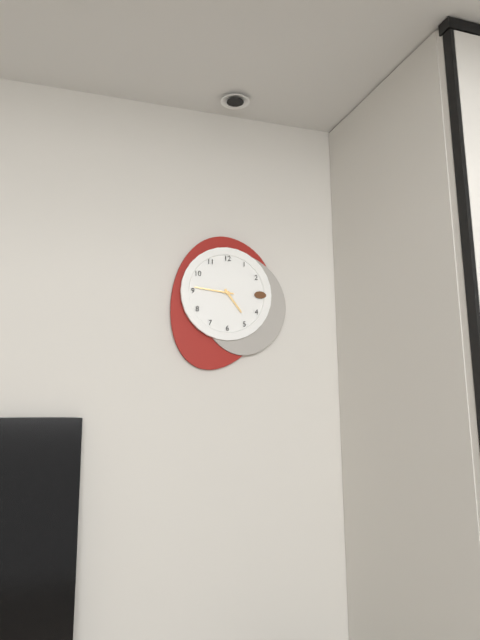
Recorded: 4 h 46 min
